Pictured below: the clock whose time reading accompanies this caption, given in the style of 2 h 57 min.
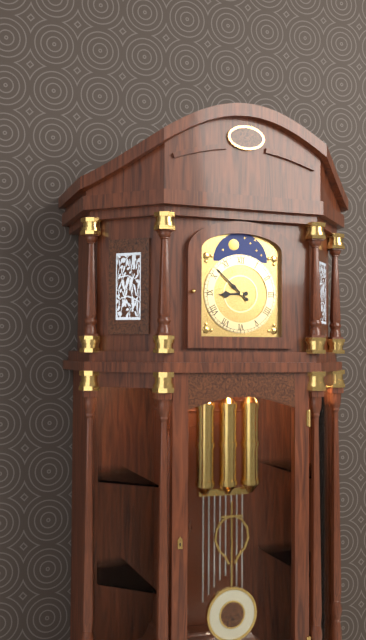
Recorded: 8 h 52 min
